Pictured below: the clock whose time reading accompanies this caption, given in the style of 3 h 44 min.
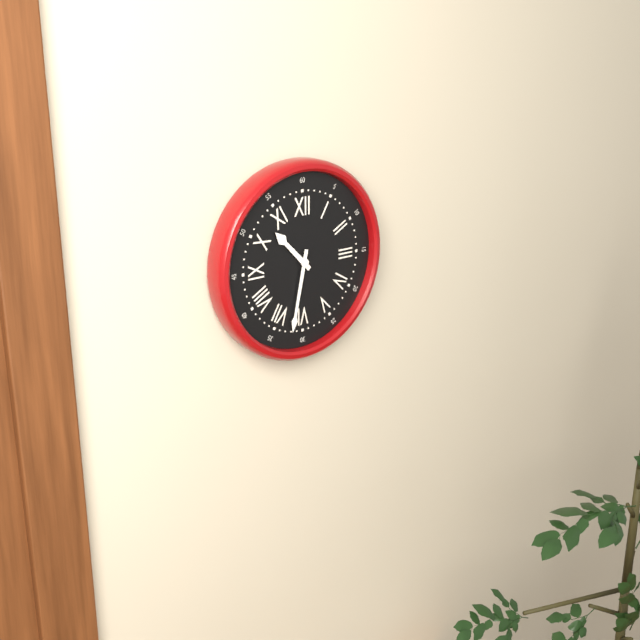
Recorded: 10 h 32 min
